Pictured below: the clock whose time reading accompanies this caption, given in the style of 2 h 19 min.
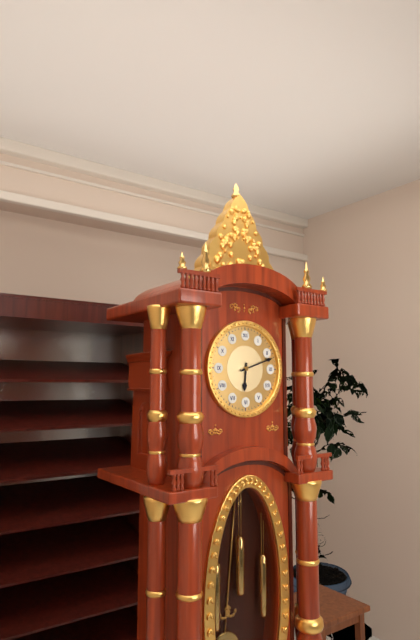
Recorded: 6 h 12 min
